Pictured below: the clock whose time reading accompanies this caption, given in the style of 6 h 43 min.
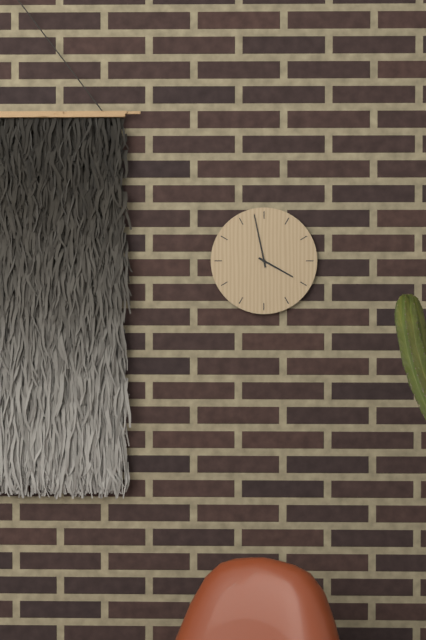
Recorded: 3 h 58 min
